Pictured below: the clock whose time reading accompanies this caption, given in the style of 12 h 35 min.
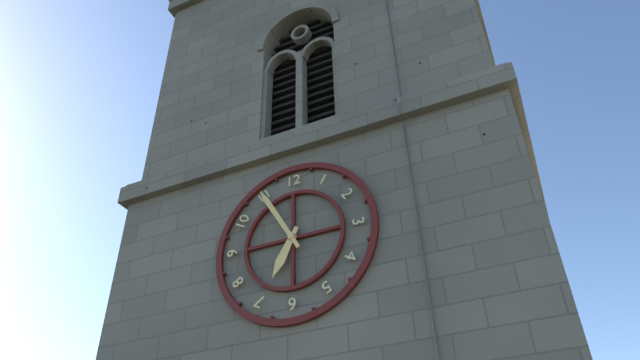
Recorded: 6 h 55 min
